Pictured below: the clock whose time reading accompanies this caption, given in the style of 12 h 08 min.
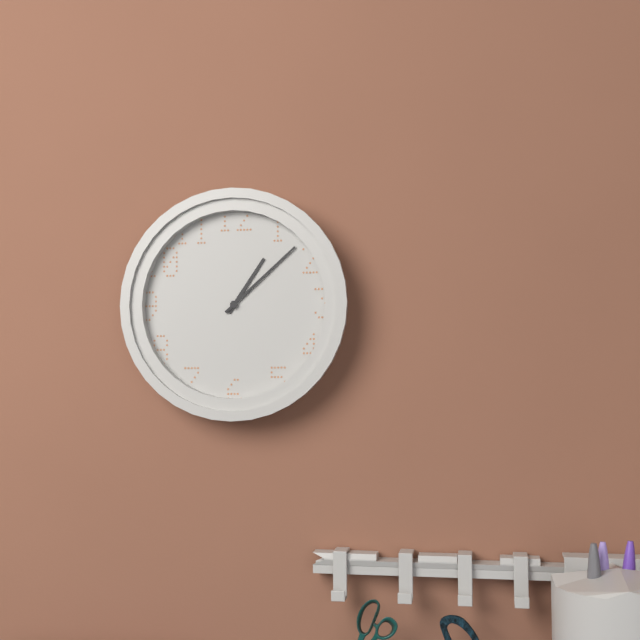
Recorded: 1 h 08 min
